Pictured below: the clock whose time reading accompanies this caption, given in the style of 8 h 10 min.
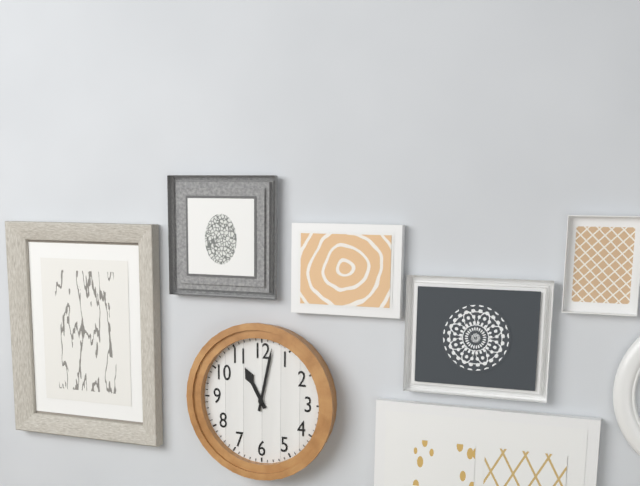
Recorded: 11 h 02 min
